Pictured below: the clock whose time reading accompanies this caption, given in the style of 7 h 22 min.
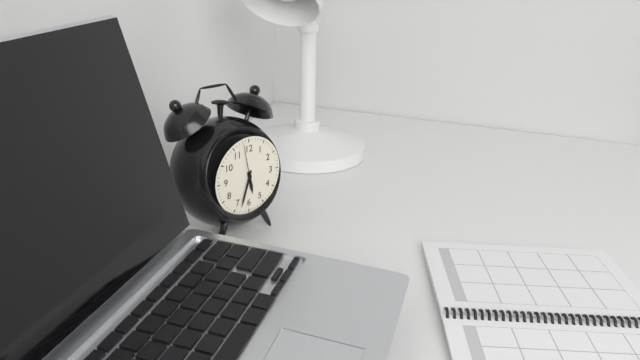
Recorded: 5 h 33 min
